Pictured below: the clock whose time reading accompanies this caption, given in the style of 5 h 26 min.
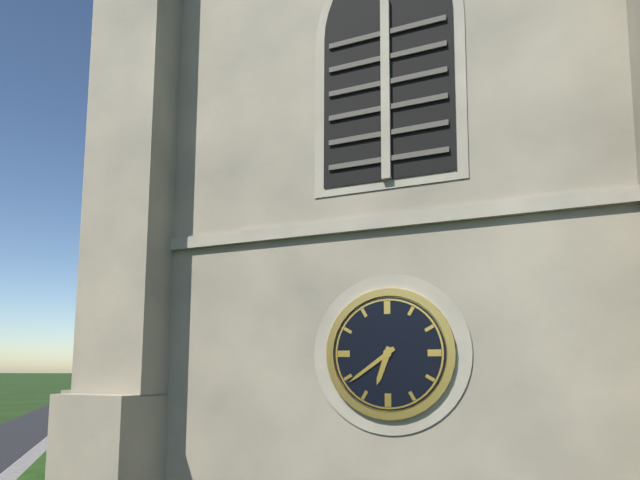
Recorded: 6 h 39 min
